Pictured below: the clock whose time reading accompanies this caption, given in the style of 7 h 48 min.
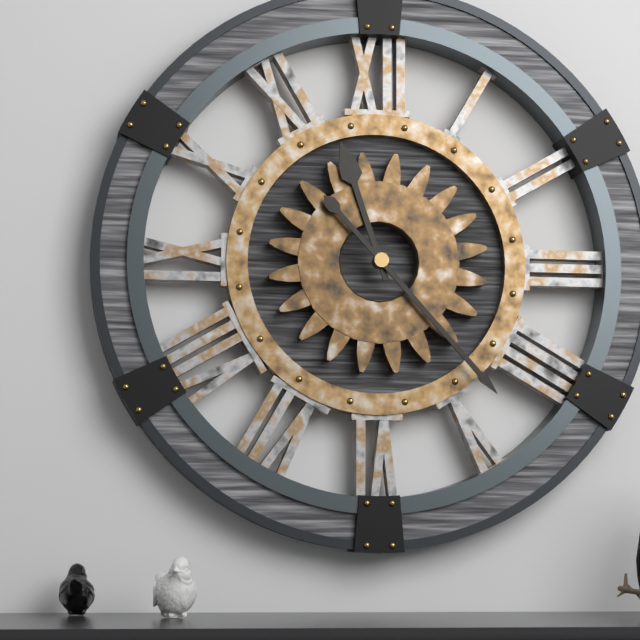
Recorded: 11 h 23 min
